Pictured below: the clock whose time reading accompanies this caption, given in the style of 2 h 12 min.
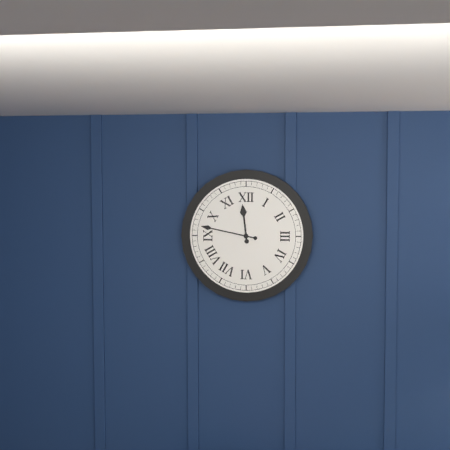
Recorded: 11 h 47 min
